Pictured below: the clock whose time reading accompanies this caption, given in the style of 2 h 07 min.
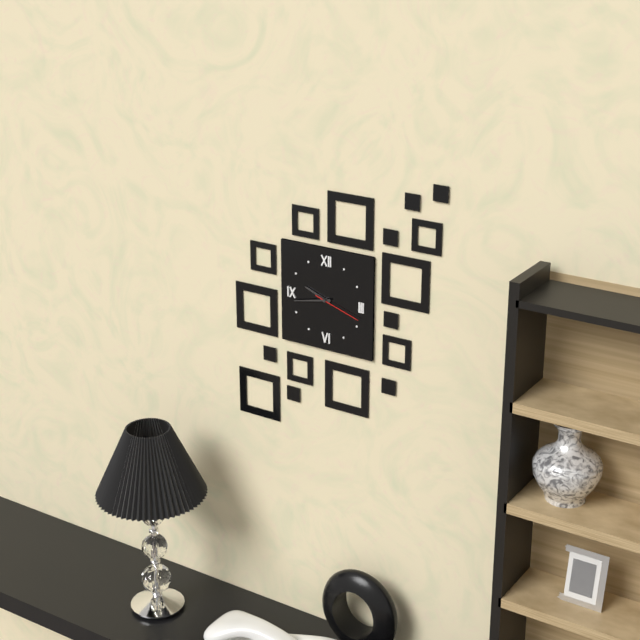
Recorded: 9 h 43 min
